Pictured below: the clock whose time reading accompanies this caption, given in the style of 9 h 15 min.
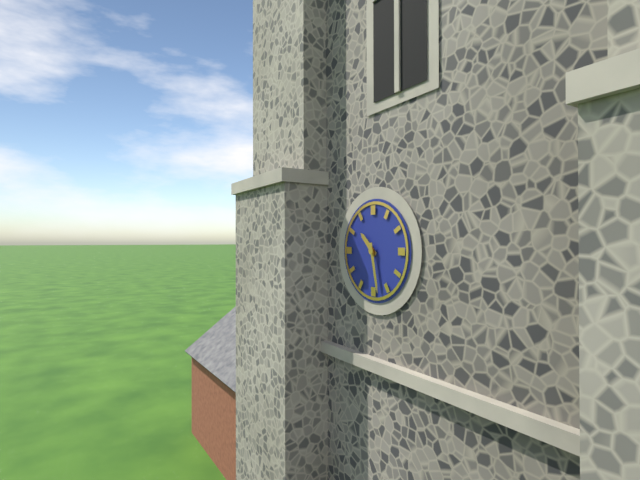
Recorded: 10 h 28 min
